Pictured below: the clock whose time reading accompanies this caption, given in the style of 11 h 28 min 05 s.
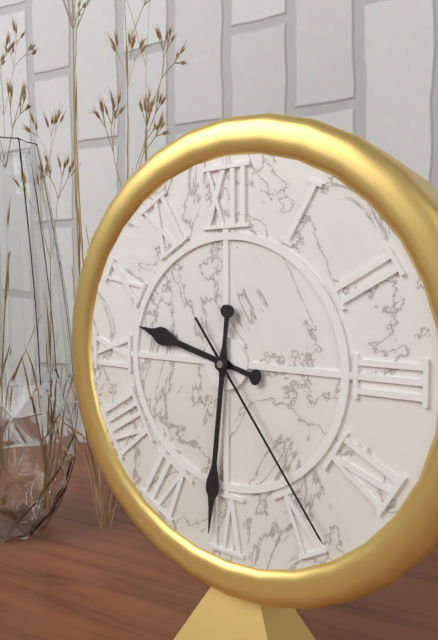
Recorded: 9 h 31 min 24 s
